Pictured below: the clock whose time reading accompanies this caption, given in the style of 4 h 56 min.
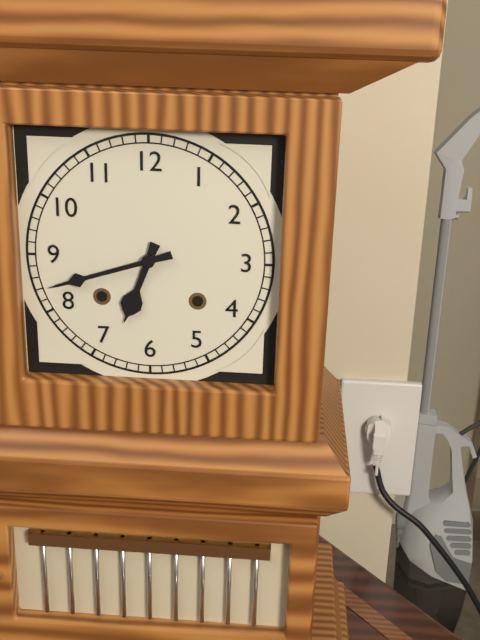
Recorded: 6 h 42 min
